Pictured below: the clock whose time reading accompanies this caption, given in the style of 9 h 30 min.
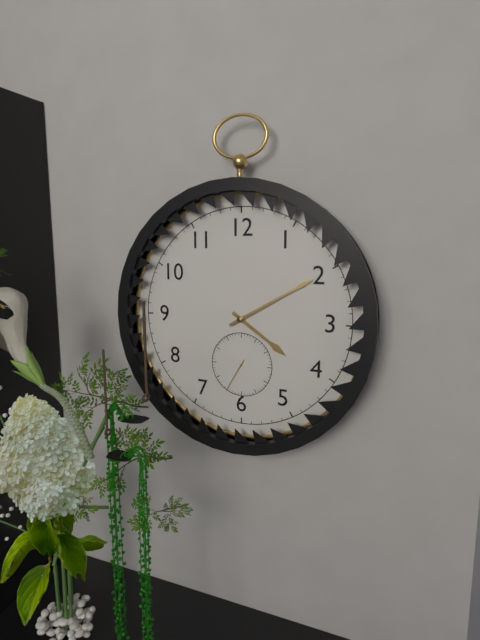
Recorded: 4 h 10 min
